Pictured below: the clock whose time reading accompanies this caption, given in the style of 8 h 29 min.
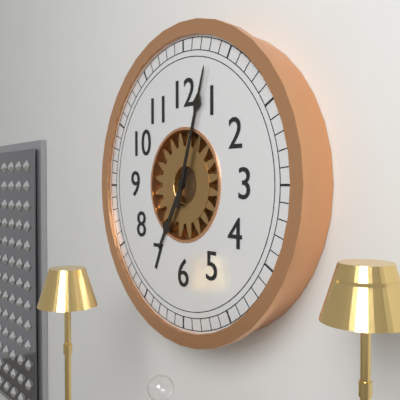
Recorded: 7 h 03 min
